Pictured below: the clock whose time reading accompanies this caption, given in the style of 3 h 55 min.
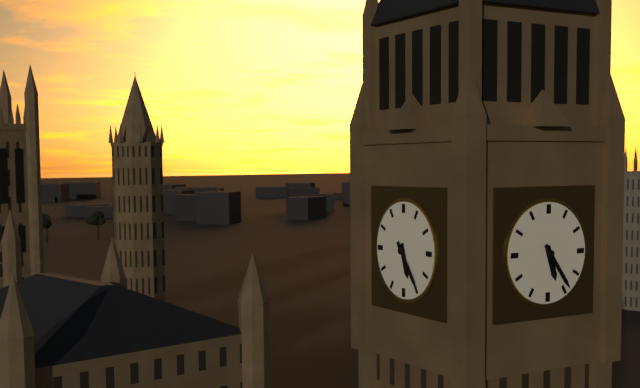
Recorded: 5 h 24 min
